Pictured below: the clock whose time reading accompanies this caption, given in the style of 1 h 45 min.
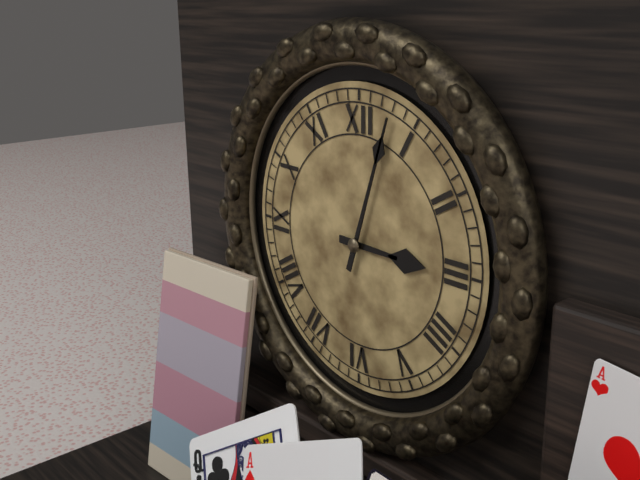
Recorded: 3 h 03 min
